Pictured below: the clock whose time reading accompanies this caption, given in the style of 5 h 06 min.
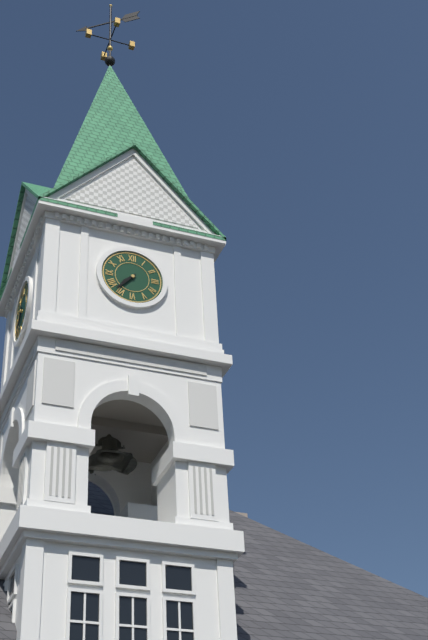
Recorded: 7 h 37 min
